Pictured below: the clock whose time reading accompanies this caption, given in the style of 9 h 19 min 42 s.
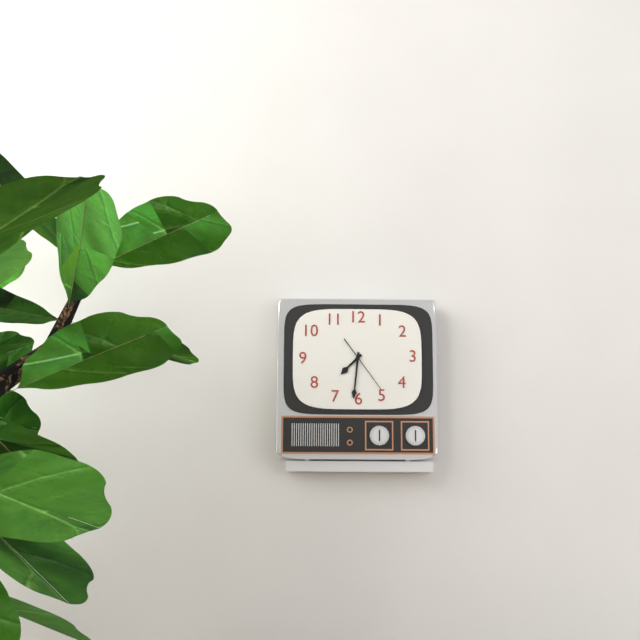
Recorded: 7 h 31 min 24 s
